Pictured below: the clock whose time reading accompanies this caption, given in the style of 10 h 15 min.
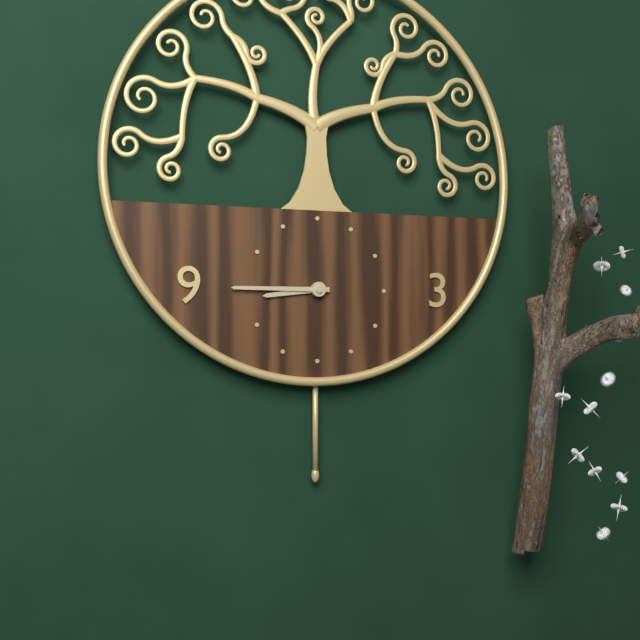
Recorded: 8 h 45 min
